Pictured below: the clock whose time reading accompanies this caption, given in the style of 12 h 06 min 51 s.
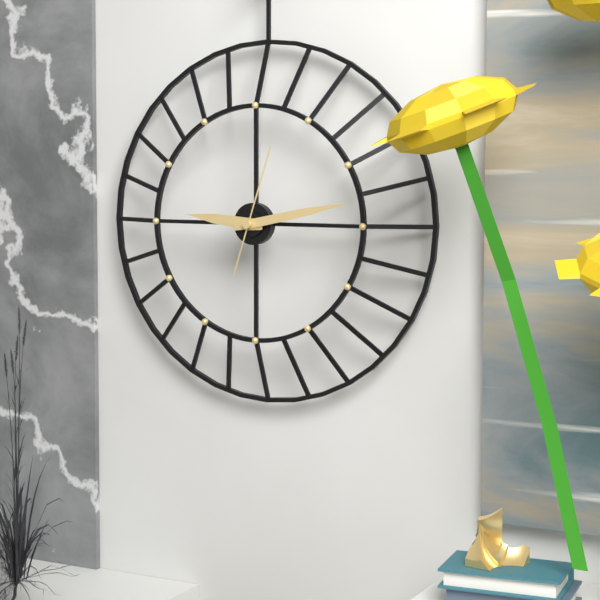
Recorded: 9 h 13 min 03 s
